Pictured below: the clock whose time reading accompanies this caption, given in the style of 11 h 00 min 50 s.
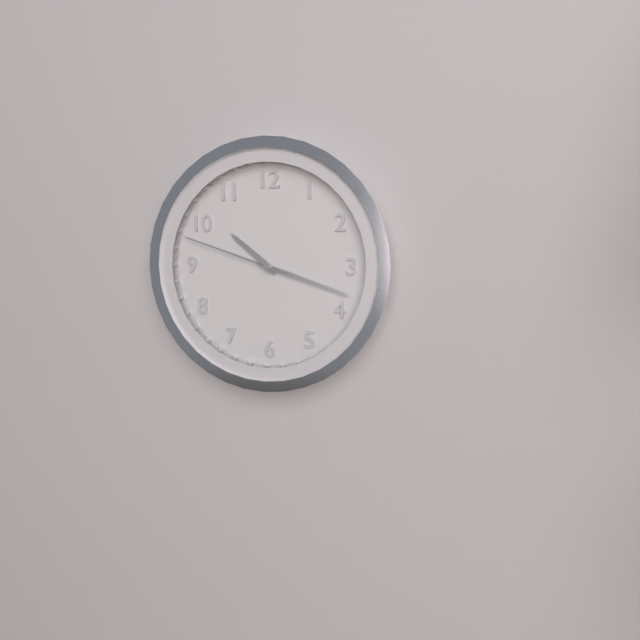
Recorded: 10 h 18 min 48 s
